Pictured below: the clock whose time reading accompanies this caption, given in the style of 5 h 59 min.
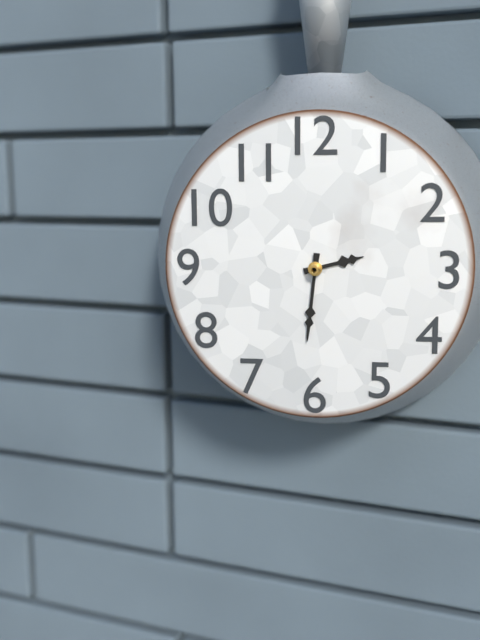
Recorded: 2 h 31 min
